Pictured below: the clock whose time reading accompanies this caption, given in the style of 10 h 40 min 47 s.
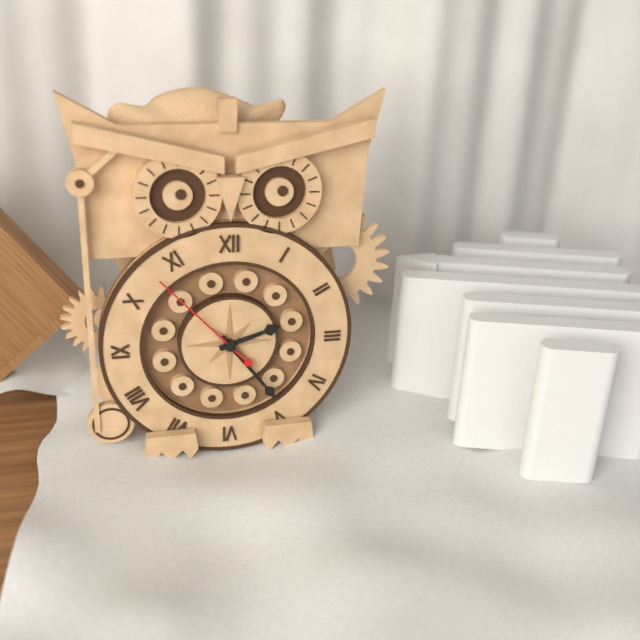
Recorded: 2 h 24 min 53 s
